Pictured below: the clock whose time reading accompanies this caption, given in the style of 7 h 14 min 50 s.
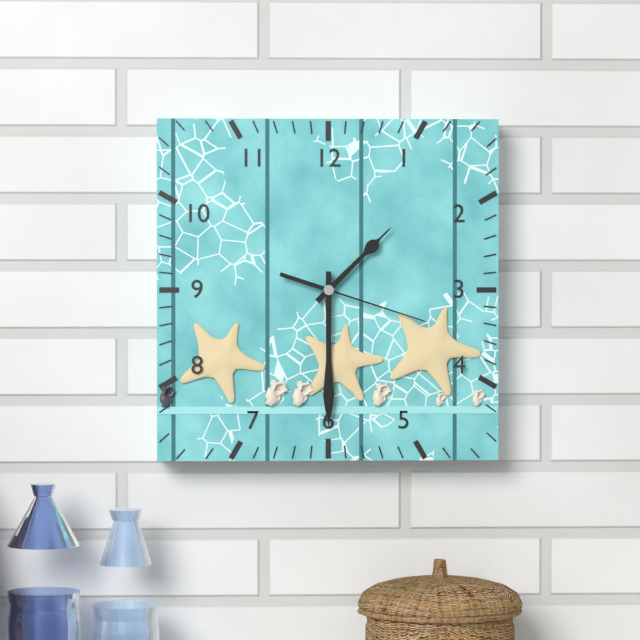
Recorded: 1 h 30 min 18 s
